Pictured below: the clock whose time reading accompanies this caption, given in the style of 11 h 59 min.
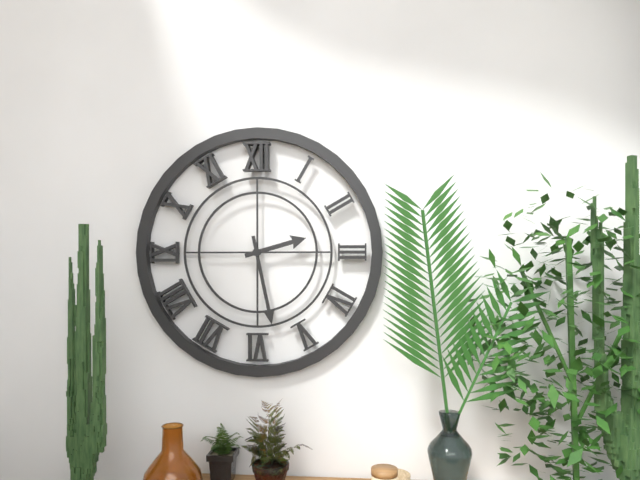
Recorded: 2 h 28 min
